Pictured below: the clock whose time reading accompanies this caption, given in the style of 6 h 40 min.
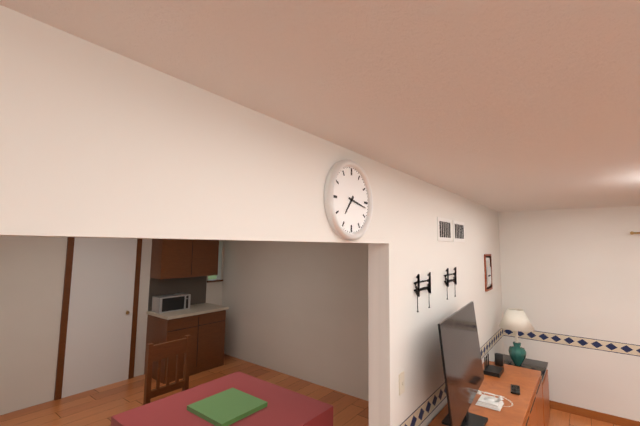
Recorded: 7 h 17 min
